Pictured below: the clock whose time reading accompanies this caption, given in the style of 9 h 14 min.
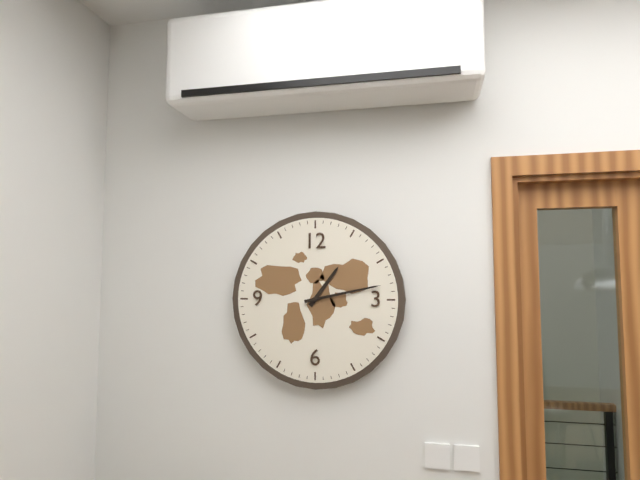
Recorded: 1 h 13 min
